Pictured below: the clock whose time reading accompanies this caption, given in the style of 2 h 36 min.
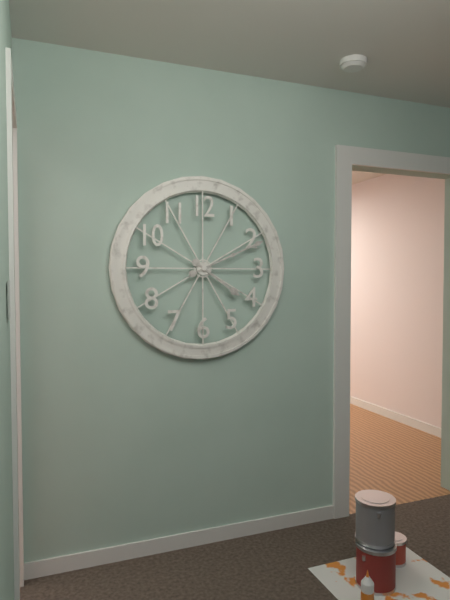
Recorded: 4 h 11 min
